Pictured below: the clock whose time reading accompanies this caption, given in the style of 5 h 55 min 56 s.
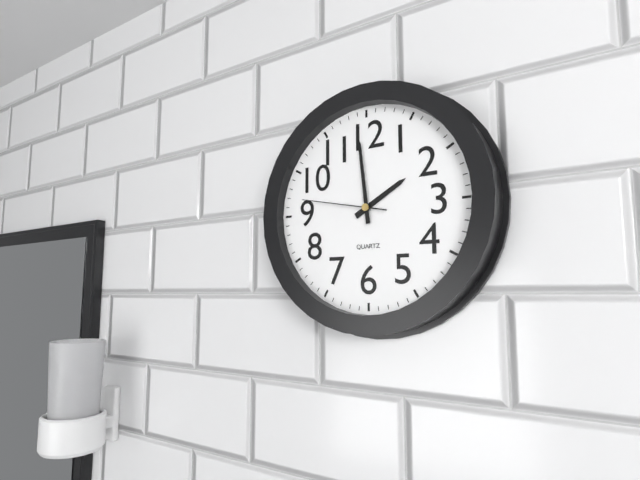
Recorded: 1 h 59 min 47 s
